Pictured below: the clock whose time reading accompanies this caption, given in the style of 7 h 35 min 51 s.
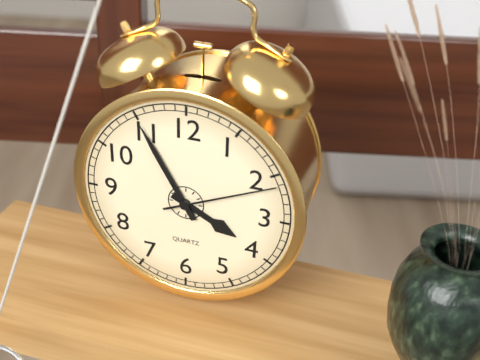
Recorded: 3 h 55 min 11 s
